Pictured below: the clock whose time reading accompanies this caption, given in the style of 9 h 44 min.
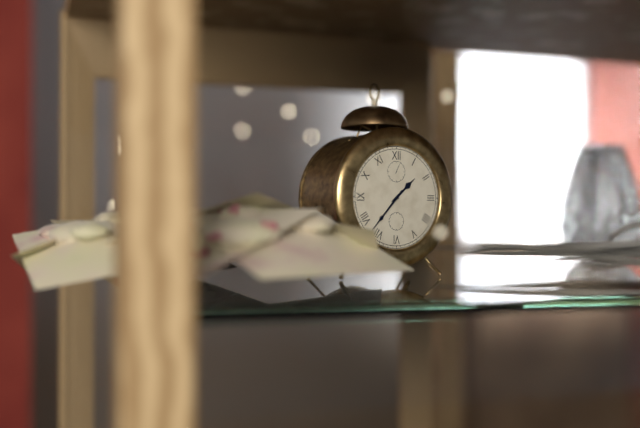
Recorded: 1 h 37 min
